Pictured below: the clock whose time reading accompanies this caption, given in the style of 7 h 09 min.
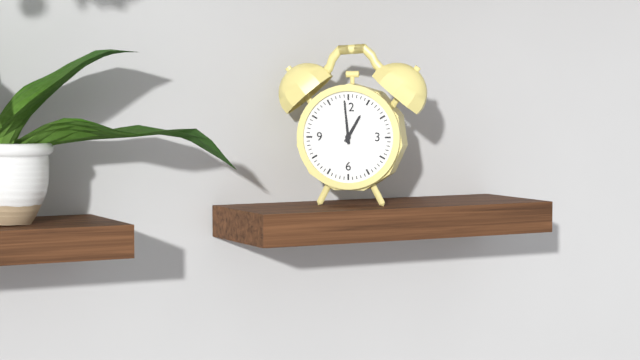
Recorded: 12 h 59 min
